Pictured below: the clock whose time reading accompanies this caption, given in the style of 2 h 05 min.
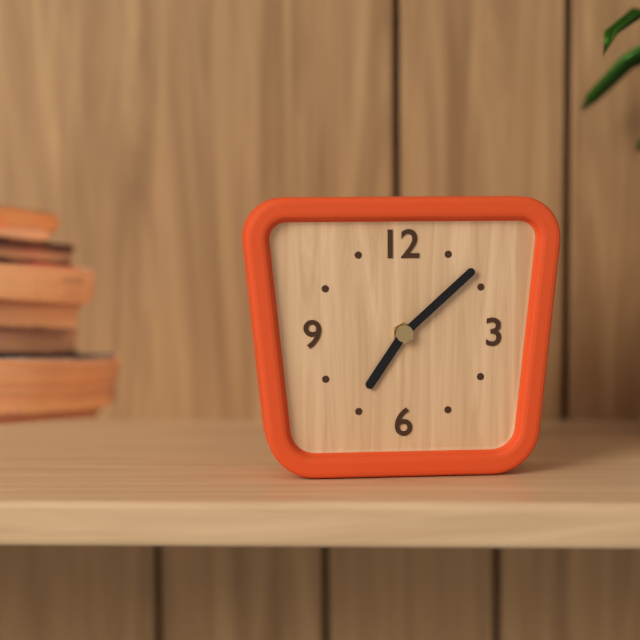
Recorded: 7 h 08 min
